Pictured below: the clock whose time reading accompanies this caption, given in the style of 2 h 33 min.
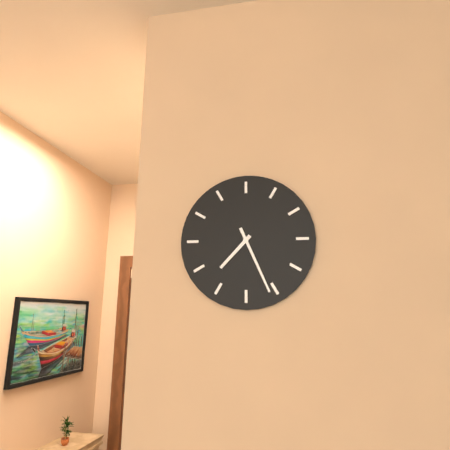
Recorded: 7 h 26 min
